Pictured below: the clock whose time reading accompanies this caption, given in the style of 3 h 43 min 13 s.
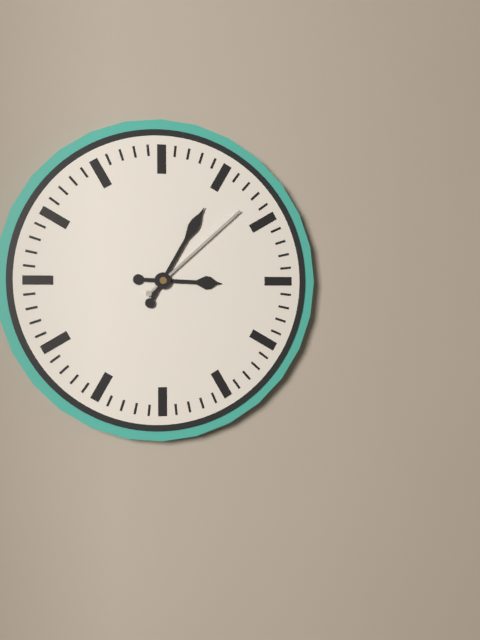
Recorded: 3 h 05 min 08 s
